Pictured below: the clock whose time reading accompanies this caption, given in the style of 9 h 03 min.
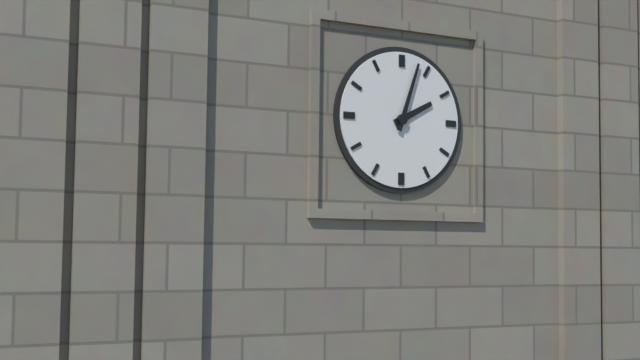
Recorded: 2 h 03 min
